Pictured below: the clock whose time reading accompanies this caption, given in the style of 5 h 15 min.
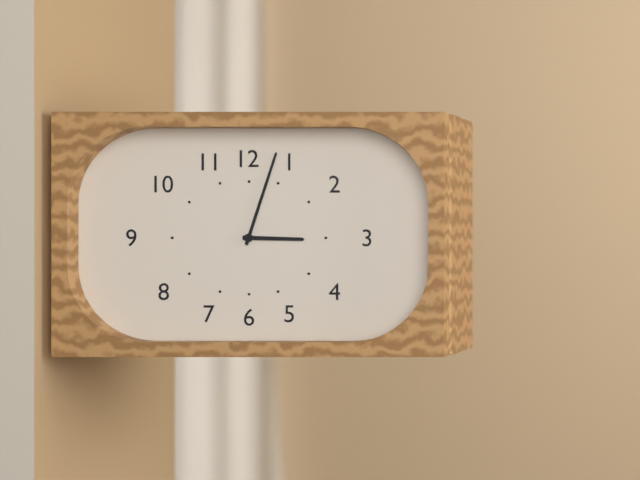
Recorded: 3 h 03 min
